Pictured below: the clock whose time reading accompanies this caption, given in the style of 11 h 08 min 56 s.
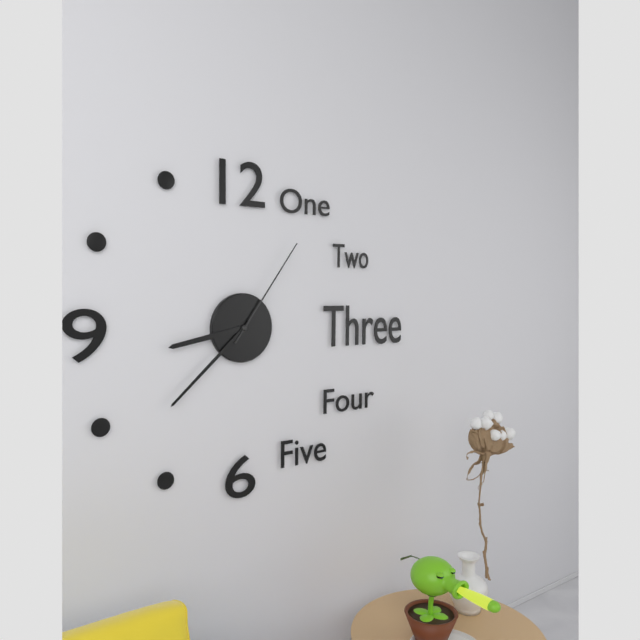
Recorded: 8 h 38 min 06 s
